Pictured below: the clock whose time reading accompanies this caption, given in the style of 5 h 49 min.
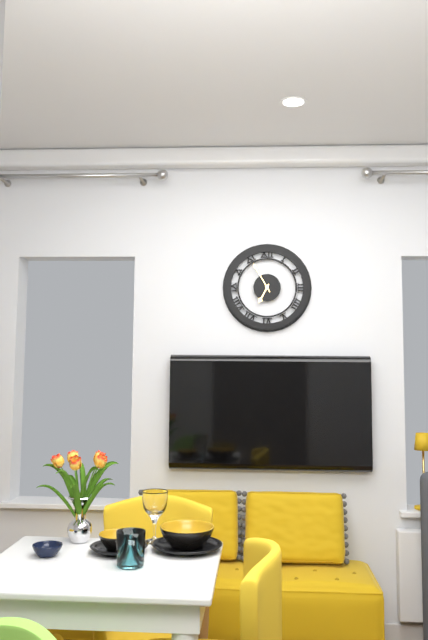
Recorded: 6 h 55 min
